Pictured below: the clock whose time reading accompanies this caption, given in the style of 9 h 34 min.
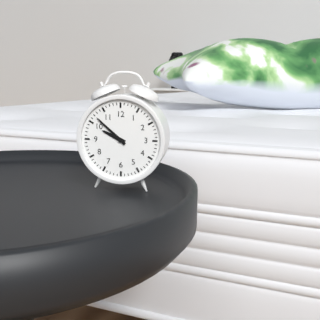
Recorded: 9 h 52 min
